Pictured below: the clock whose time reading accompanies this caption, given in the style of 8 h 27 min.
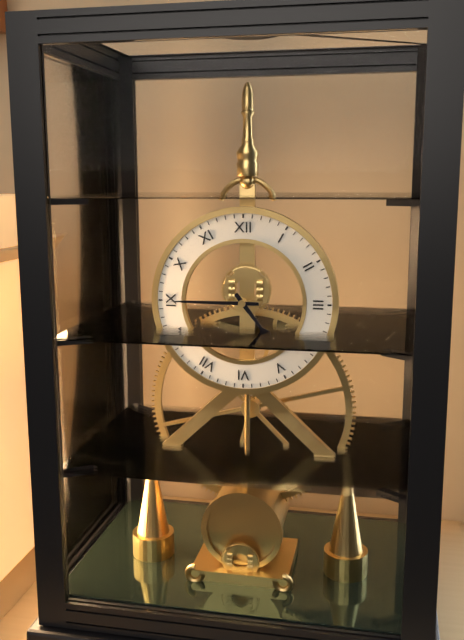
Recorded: 4 h 45 min
